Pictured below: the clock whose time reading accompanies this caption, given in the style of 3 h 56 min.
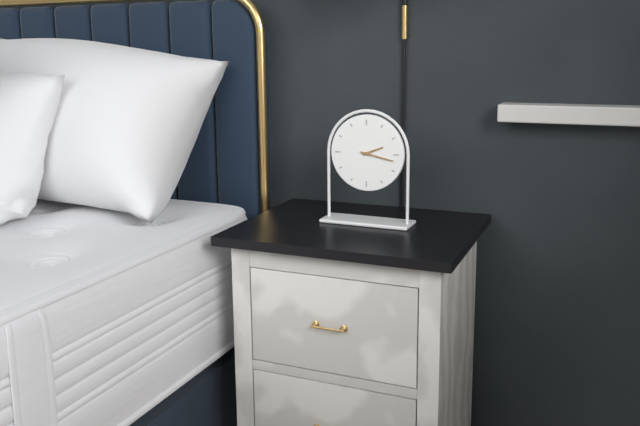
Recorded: 2 h 17 min
